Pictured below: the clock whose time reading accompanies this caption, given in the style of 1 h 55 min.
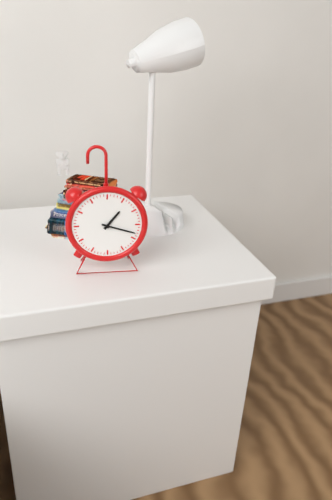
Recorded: 1 h 18 min
